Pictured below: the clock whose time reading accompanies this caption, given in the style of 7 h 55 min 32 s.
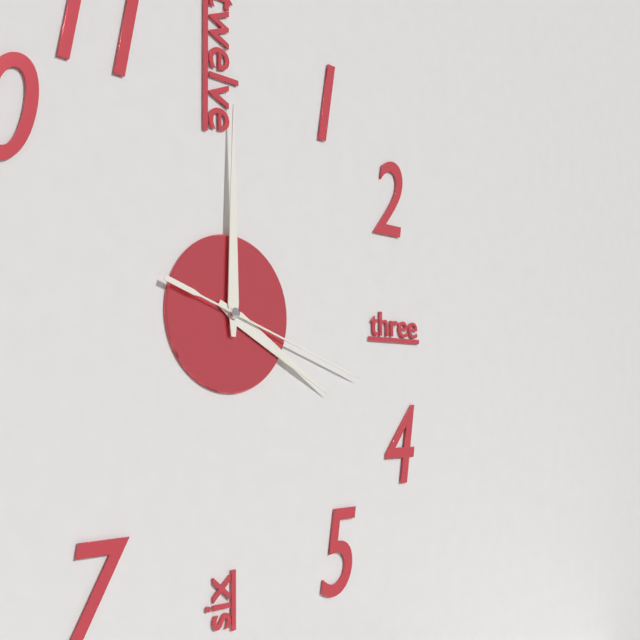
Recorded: 4 h 00 min 18 s
